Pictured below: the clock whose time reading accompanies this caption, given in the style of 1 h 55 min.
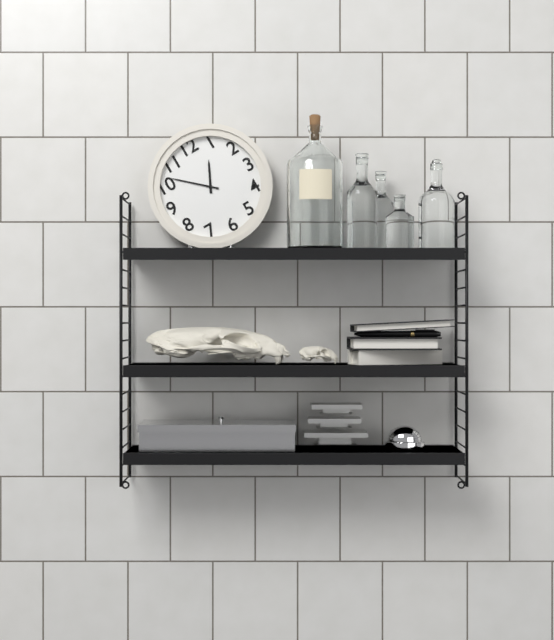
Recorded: 12 h 52 min
